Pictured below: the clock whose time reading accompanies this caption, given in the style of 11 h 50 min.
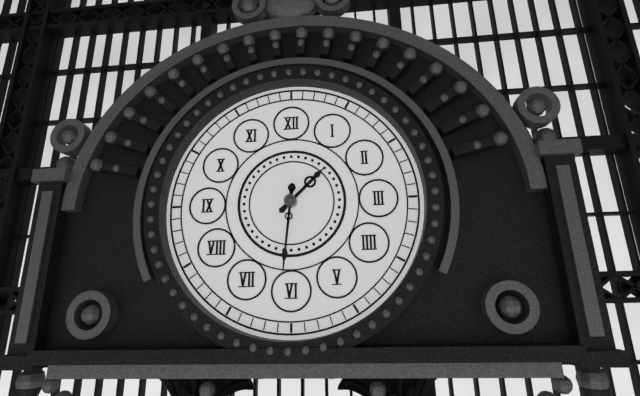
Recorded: 1 h 31 min
